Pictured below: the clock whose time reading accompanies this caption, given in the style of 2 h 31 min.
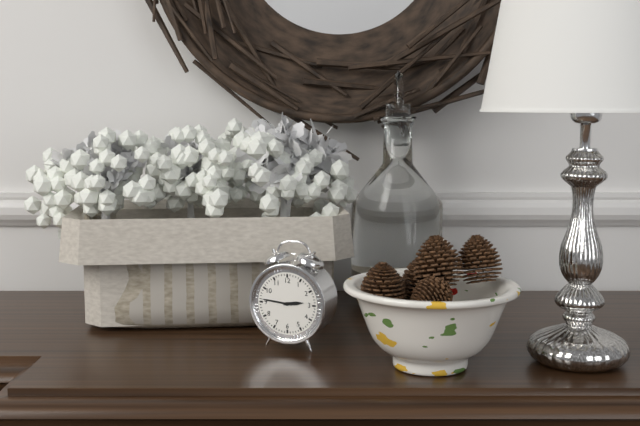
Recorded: 2 h 46 min
